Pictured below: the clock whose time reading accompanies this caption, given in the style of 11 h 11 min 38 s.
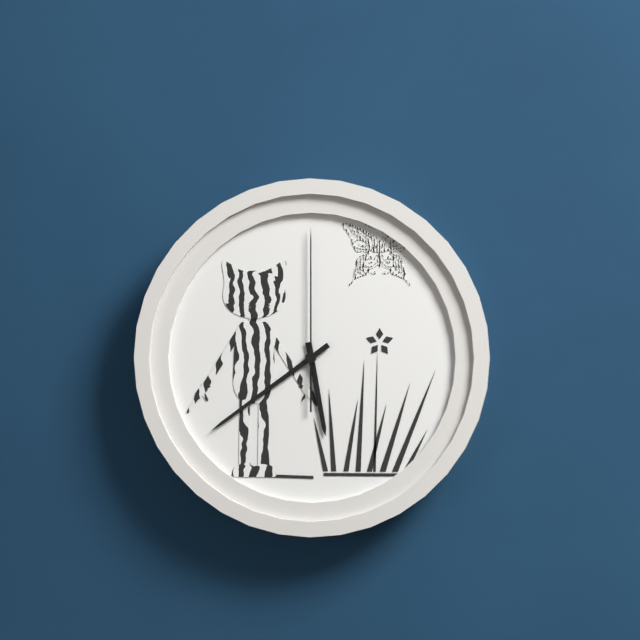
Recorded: 5 h 39 min 00 s
